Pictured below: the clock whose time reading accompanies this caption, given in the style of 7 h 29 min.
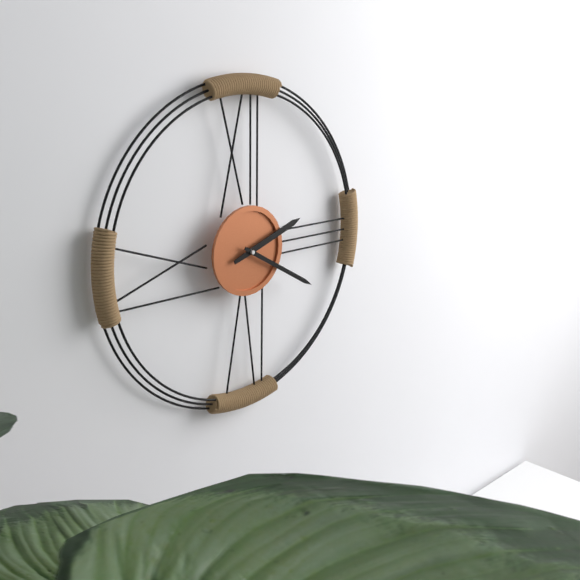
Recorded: 2 h 20 min
